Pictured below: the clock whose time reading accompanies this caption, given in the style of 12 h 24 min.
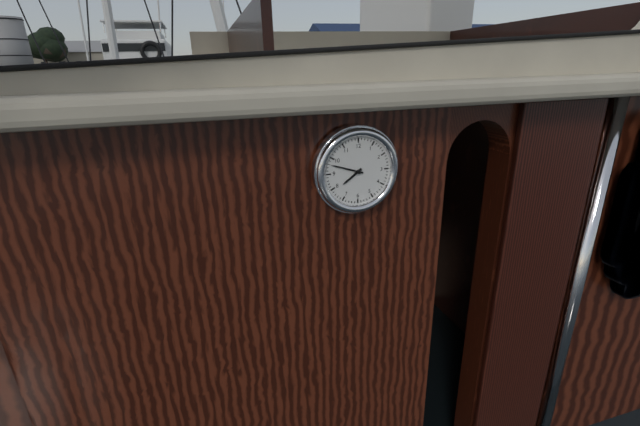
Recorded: 7 h 48 min
